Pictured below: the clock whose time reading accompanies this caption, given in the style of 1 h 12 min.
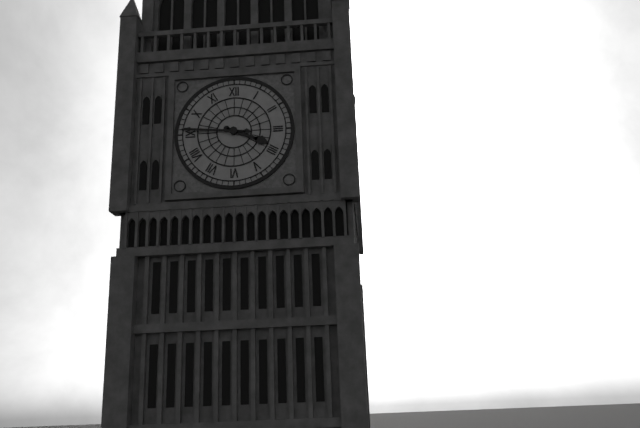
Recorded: 3 h 46 min
